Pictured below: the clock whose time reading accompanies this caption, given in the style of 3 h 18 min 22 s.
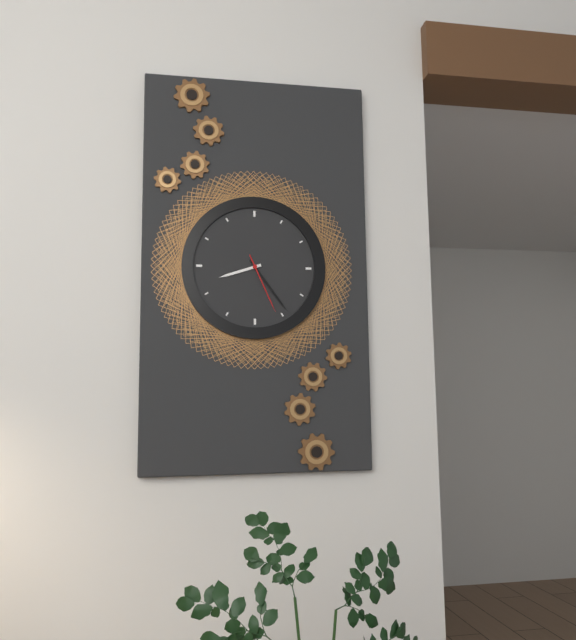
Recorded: 8 h 24 min 26 s
